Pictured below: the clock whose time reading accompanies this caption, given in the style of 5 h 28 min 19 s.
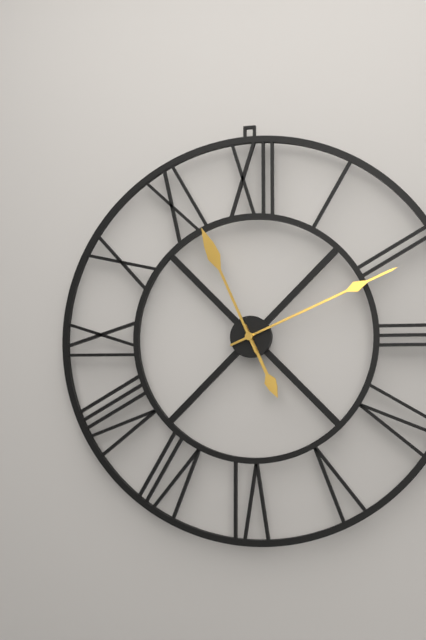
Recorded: 5 h 11 min 56 s
